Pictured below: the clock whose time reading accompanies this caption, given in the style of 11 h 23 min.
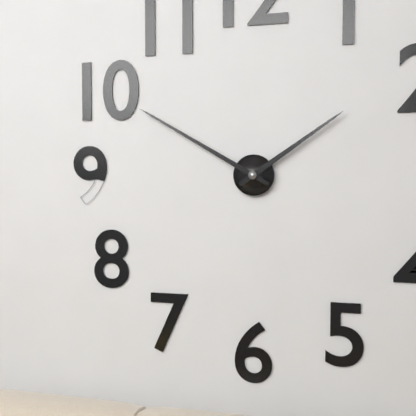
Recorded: 1 h 50 min
